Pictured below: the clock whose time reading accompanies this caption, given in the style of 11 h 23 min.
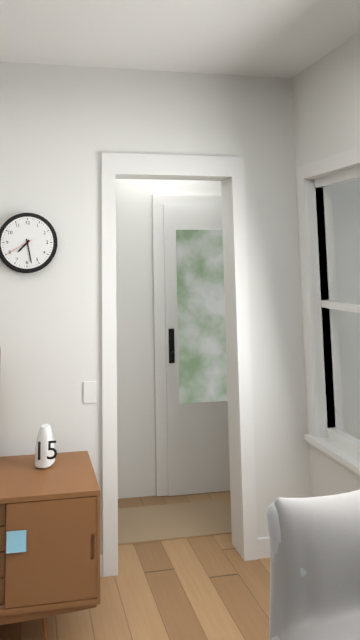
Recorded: 7 h 28 min
